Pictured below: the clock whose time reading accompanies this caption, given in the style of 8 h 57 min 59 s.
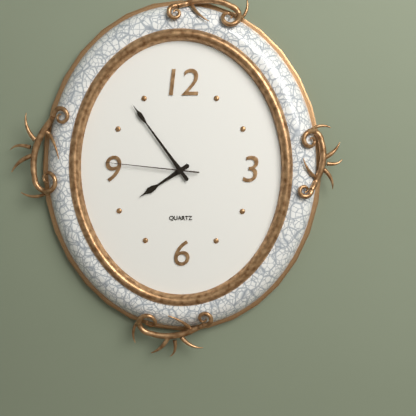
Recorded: 7 h 54 min 46 s
